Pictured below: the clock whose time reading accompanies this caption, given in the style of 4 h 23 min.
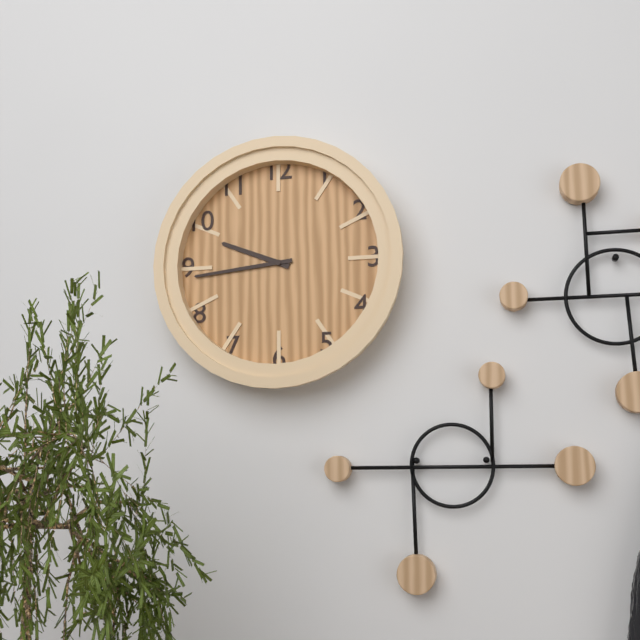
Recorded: 9 h 44 min
